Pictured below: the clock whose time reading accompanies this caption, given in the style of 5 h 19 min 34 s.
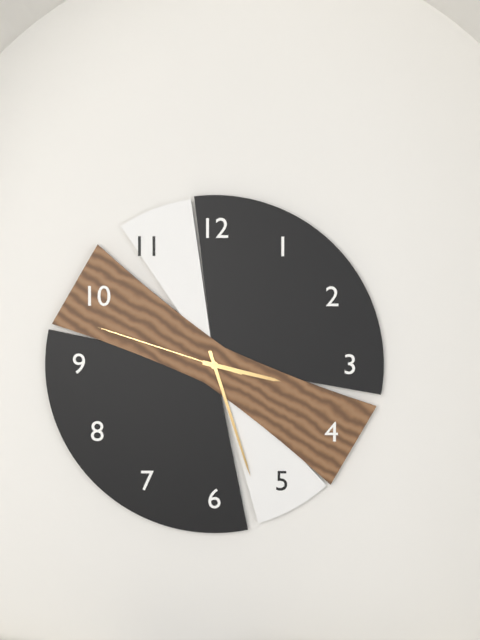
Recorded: 3 h 27 min 48 s
